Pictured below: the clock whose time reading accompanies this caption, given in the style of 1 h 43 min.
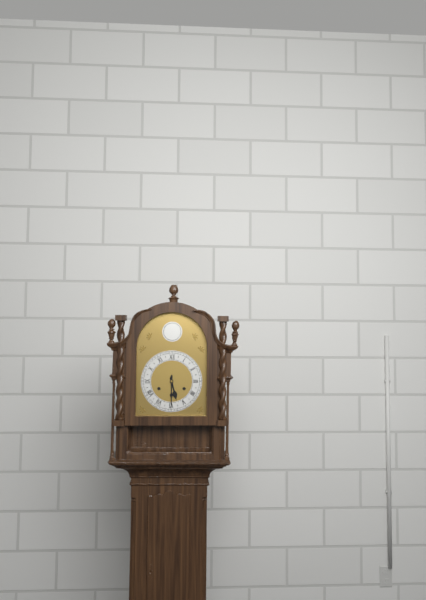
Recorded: 5 h 30 min
